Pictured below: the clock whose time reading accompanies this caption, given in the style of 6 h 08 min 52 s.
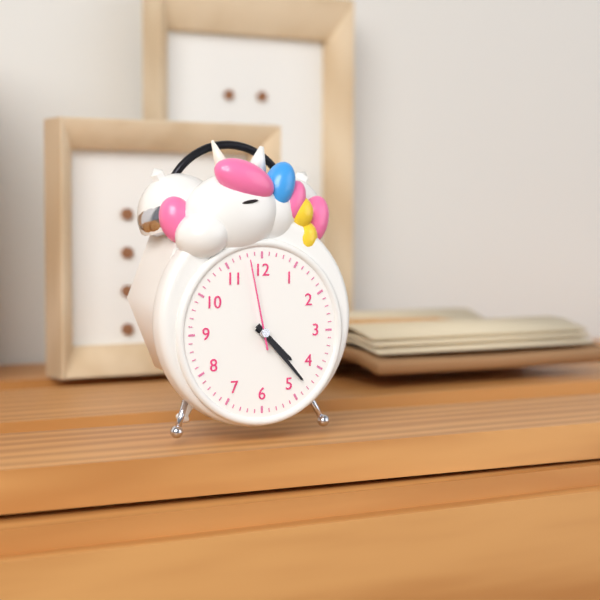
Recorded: 4 h 23 min 58 s
